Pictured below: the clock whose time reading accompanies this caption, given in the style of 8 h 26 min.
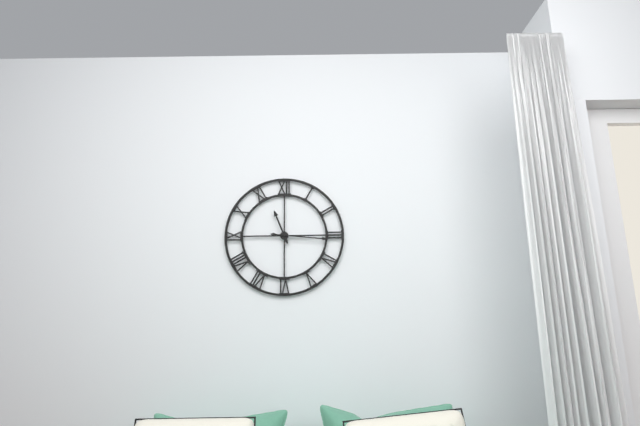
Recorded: 11 h 16 min
